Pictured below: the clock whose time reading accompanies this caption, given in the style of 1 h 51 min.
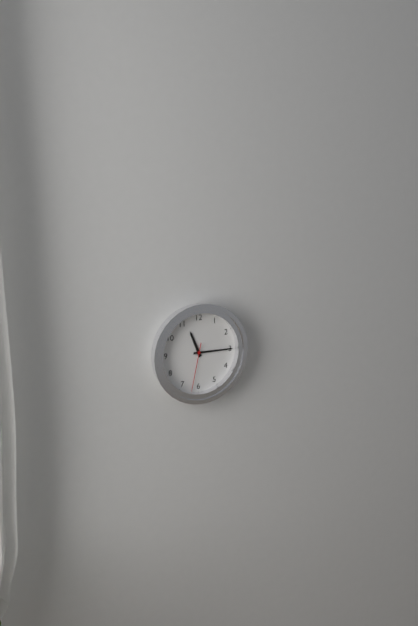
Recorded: 11 h 15 min
